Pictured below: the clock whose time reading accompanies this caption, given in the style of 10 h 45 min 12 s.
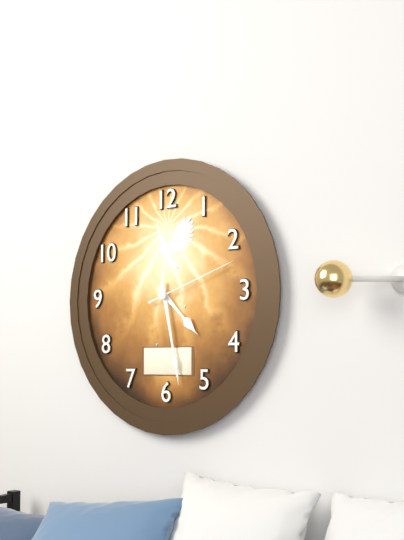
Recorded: 4 h 28 min 12 s
